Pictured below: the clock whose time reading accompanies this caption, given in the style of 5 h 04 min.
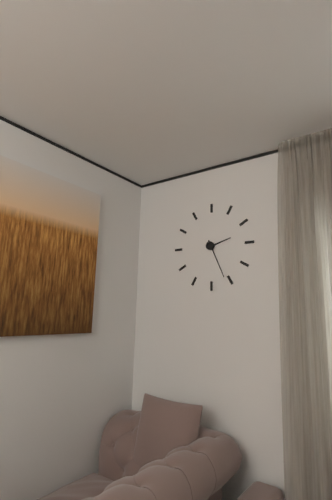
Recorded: 2 h 26 min
